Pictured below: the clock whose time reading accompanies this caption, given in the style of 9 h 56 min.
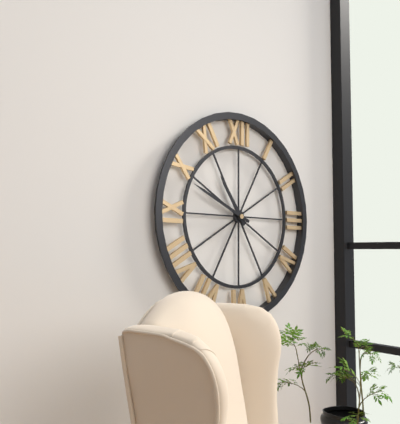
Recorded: 10 h 49 min
